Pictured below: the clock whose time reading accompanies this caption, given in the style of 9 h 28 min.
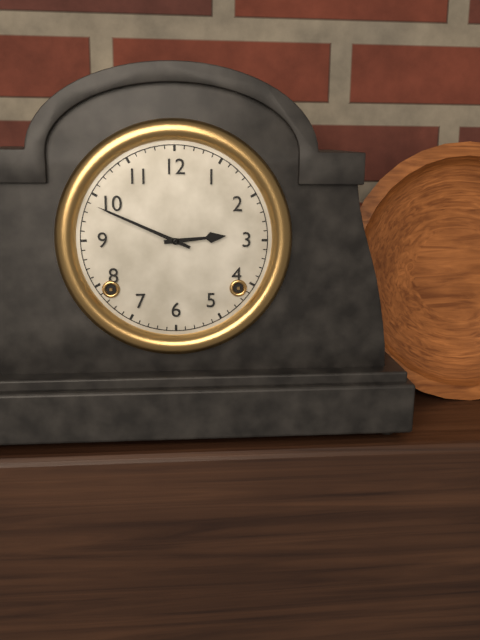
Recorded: 2 h 49 min
